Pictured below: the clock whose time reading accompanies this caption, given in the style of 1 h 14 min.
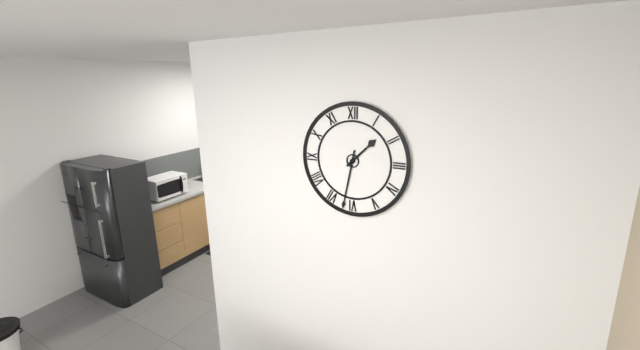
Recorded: 1 h 32 min
